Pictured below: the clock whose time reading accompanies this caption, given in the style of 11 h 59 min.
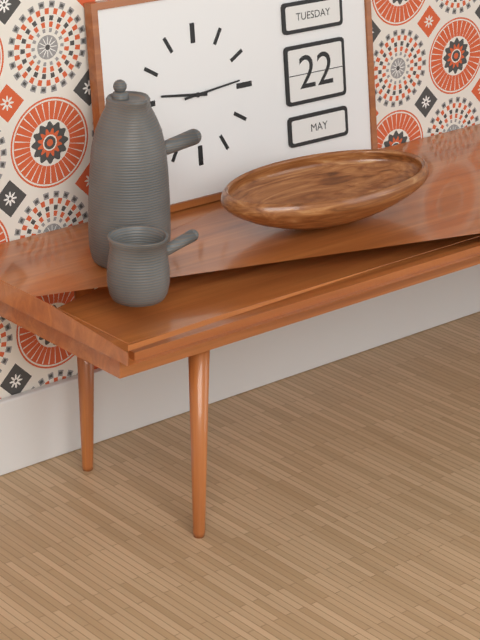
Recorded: 9 h 14 min
